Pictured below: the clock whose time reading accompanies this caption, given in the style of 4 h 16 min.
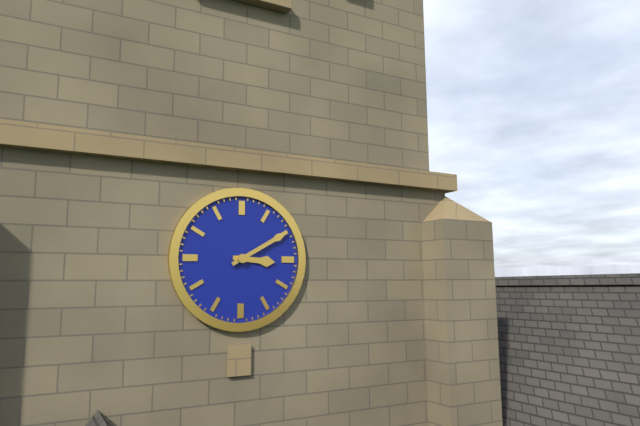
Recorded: 3 h 10 min
